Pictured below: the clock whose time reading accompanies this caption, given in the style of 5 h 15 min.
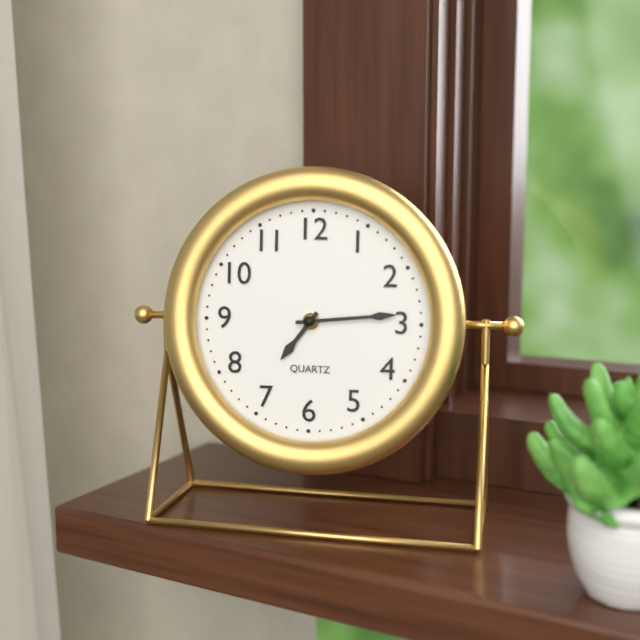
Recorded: 7 h 14 min
